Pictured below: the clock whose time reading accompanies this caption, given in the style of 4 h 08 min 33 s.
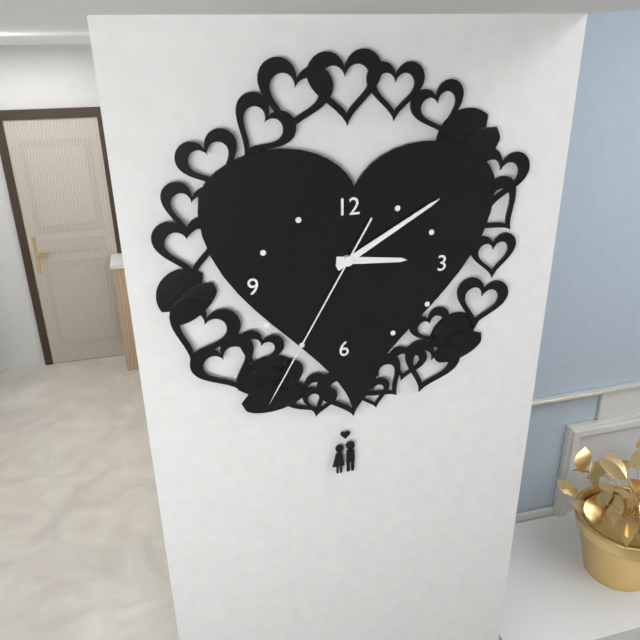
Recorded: 3 h 10 min 35 s
